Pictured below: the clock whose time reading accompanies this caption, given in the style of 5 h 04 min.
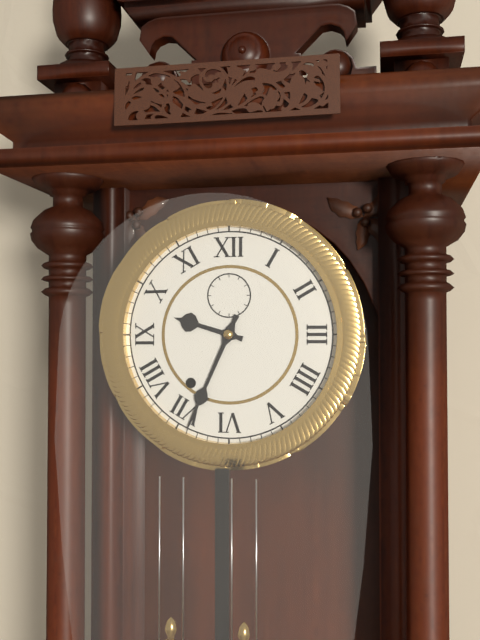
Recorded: 9 h 34 min
